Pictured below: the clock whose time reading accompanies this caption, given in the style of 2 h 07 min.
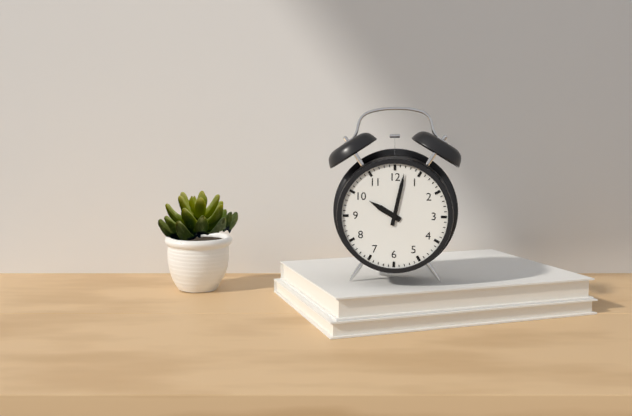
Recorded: 10 h 02 min
